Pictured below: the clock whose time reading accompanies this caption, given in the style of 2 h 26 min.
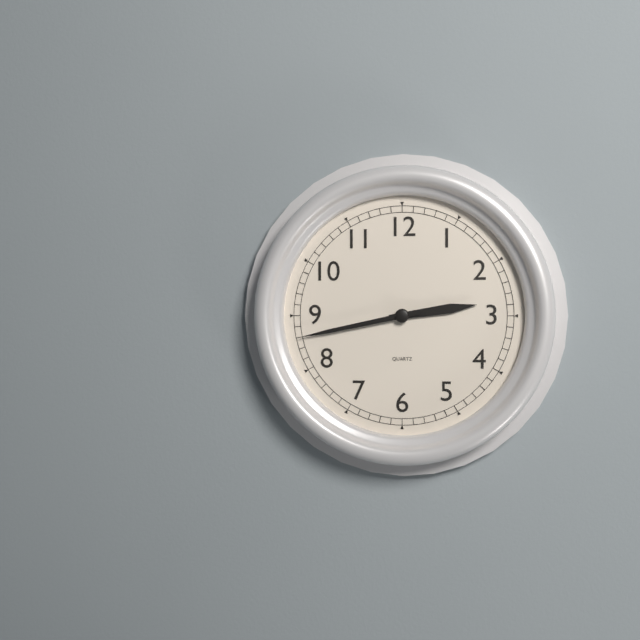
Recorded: 2 h 43 min
